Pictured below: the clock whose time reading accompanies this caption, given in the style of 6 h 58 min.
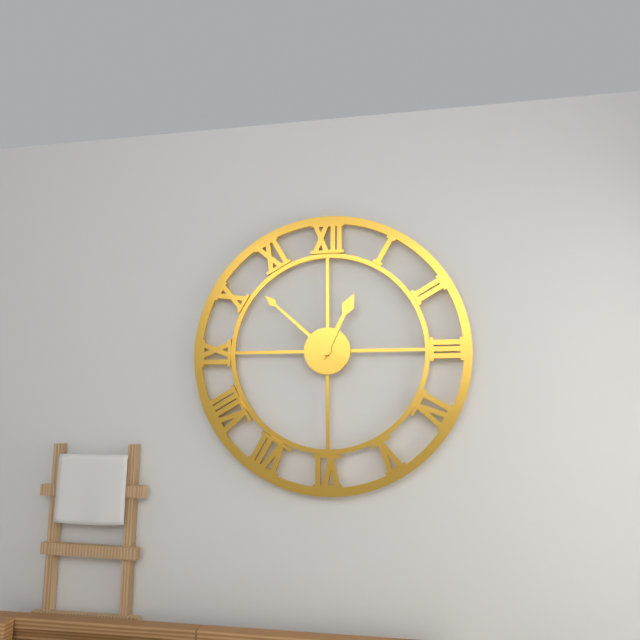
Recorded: 12 h 52 min
